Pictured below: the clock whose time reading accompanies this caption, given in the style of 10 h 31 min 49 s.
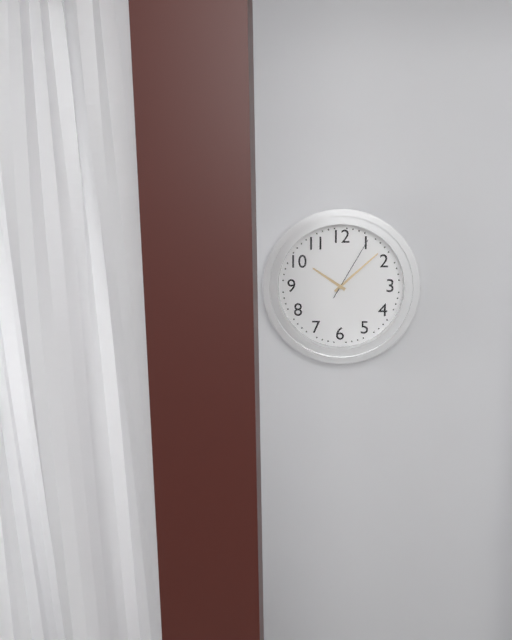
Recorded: 10 h 08 min 05 s
